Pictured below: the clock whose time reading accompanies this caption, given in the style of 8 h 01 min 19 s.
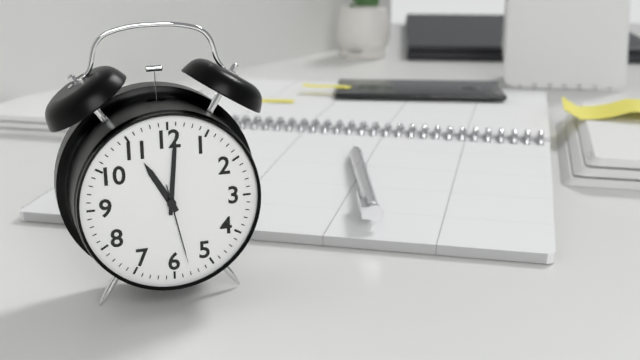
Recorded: 11 h 01 min 28 s
